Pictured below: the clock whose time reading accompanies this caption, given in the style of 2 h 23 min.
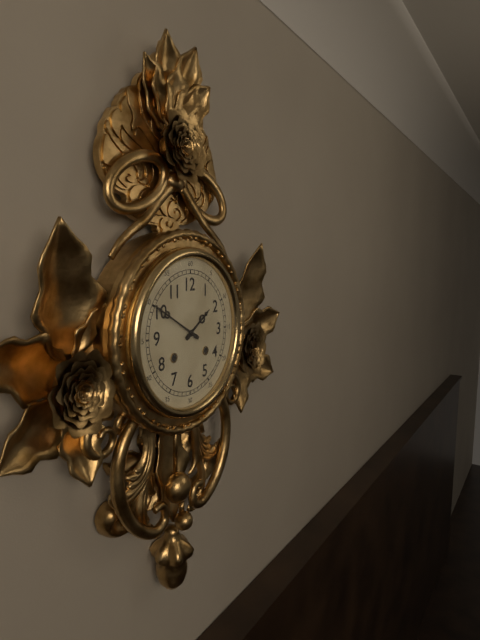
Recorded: 1 h 50 min
